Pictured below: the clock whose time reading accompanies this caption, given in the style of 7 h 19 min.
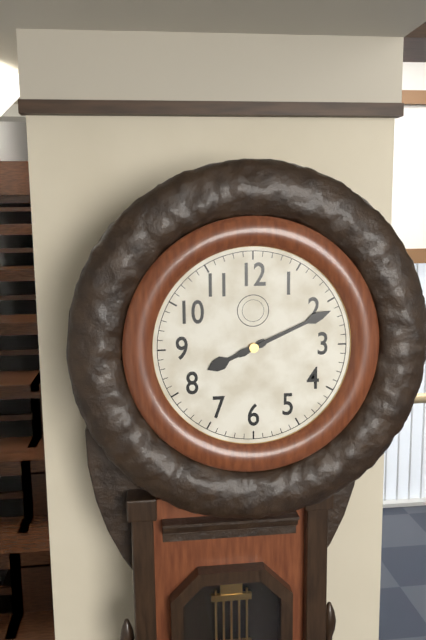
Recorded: 8 h 11 min
